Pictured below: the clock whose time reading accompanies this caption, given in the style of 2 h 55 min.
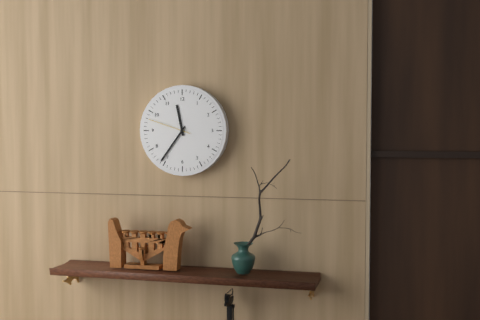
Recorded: 11 h 36 min
